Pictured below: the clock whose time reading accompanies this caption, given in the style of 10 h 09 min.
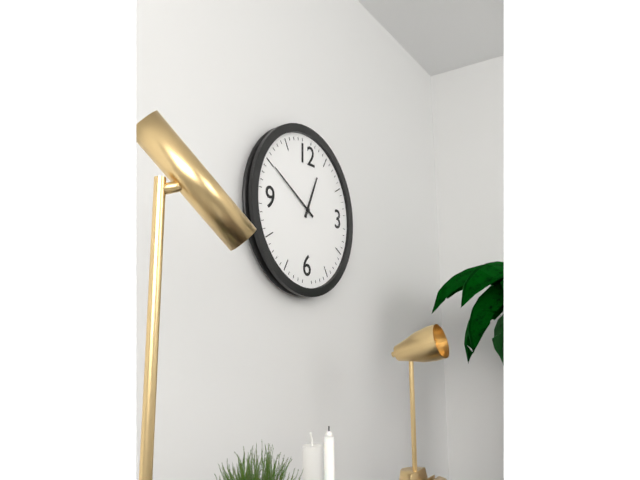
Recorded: 12 h 50 min
